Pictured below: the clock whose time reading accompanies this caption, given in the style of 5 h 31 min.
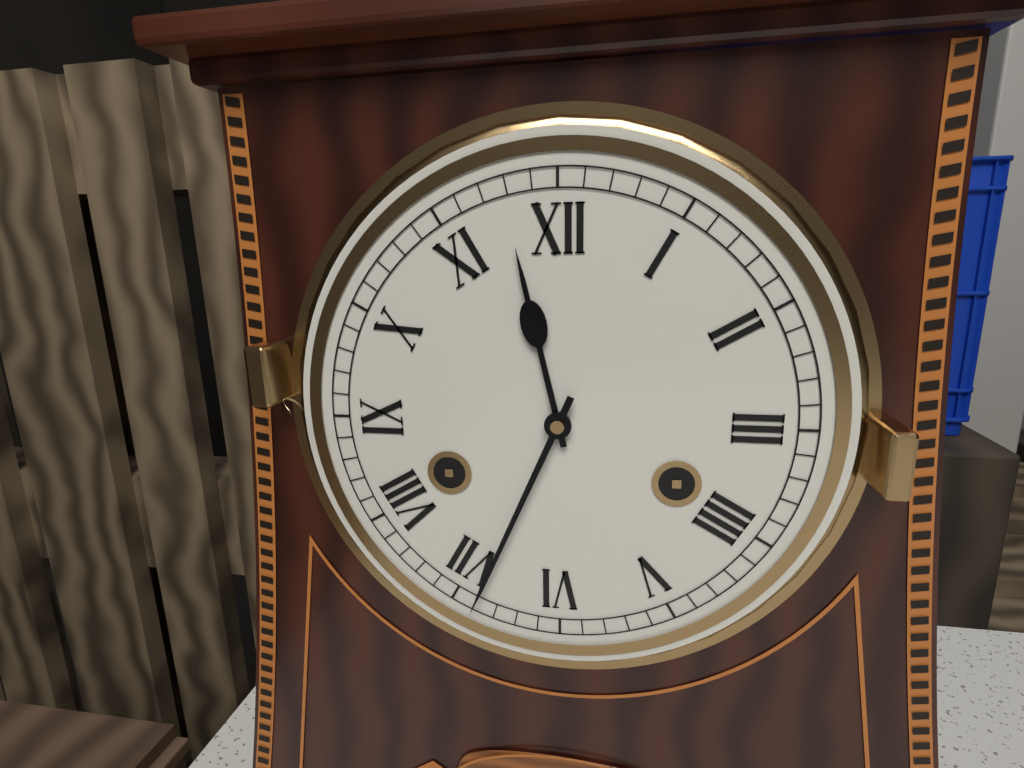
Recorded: 11 h 34 min
